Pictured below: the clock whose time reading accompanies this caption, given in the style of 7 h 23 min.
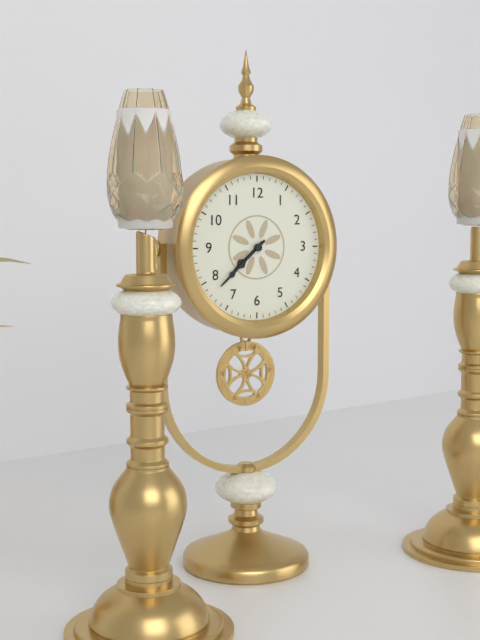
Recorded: 7 h 38 min
